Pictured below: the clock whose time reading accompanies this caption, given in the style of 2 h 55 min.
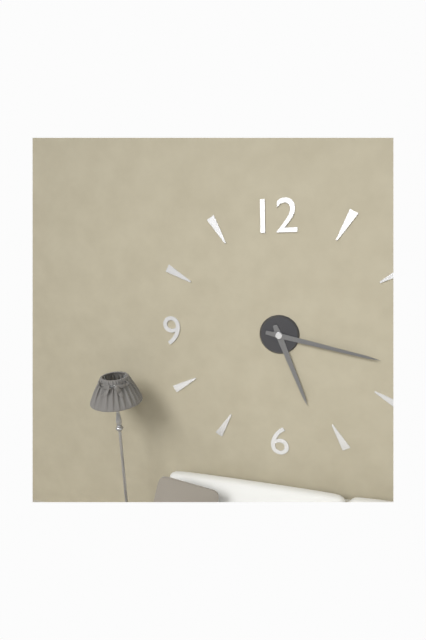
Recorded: 5 h 17 min
